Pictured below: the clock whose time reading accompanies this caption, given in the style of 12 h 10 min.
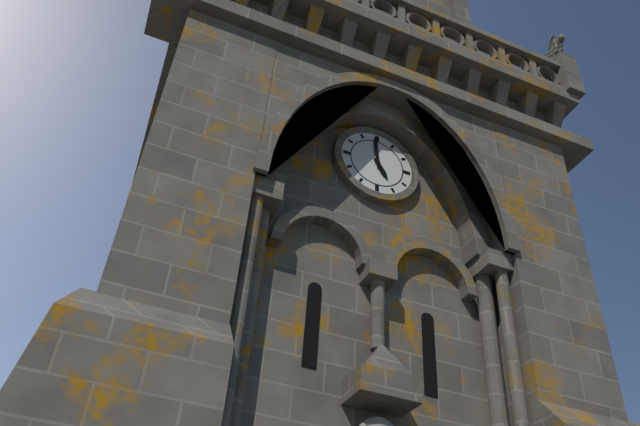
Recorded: 4 h 59 min
